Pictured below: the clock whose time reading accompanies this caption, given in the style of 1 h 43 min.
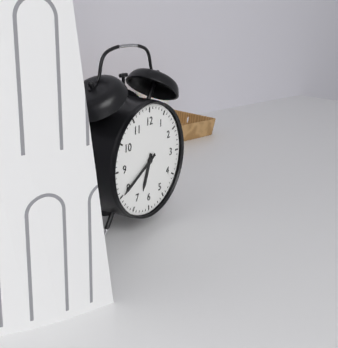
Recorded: 6 h 40 min
